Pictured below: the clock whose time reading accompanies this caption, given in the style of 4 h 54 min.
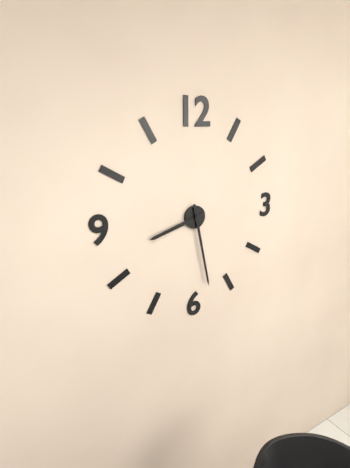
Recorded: 8 h 28 min
